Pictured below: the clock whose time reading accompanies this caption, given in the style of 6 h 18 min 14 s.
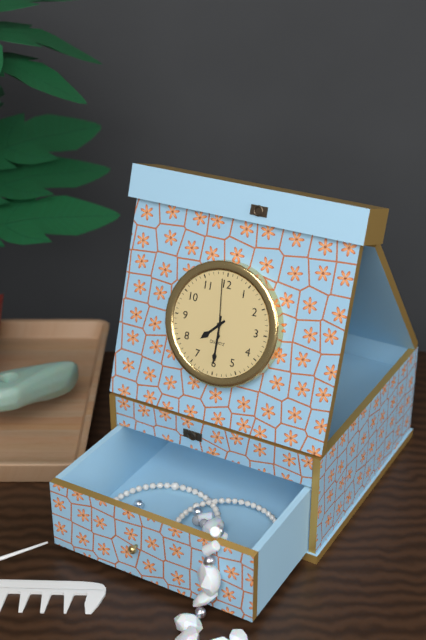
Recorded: 7 h 30 min 59 s
